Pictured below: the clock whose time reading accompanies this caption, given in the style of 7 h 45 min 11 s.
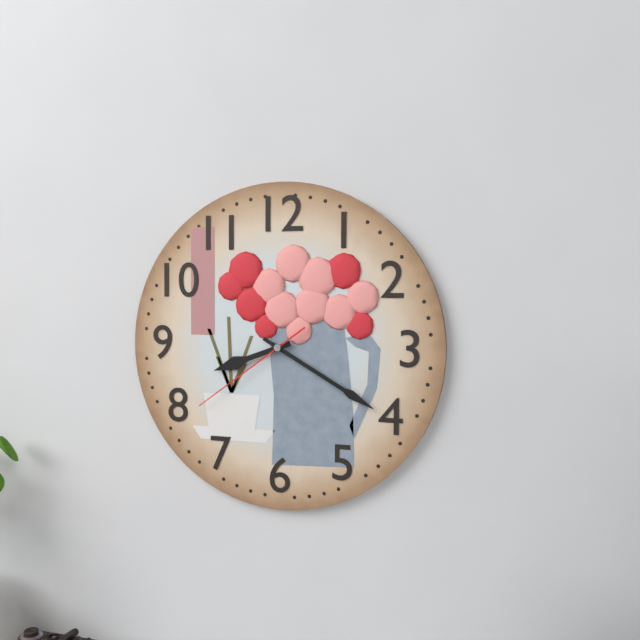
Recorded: 8 h 20 min 39 s
